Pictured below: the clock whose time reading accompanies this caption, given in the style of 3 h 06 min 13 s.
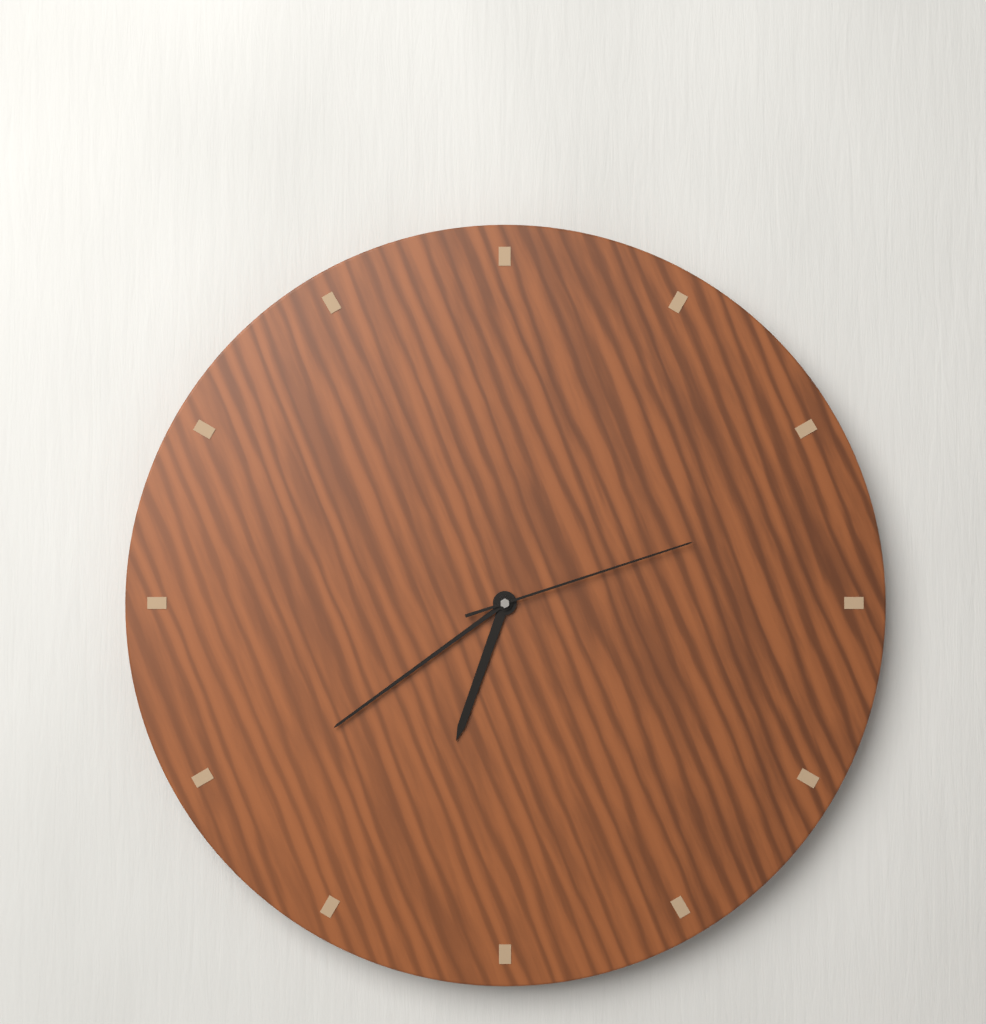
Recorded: 6 h 39 min 12 s
